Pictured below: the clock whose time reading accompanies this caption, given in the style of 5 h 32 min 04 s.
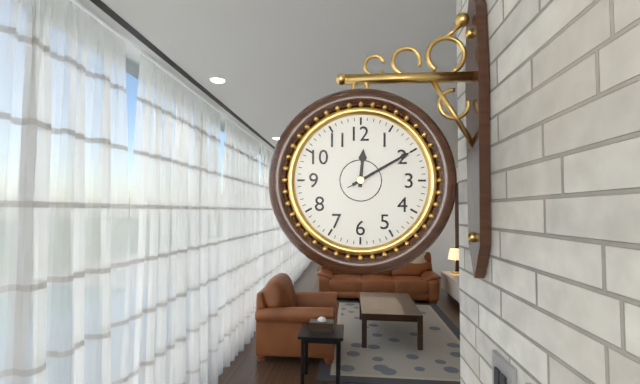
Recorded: 12 h 10 min 10 s
